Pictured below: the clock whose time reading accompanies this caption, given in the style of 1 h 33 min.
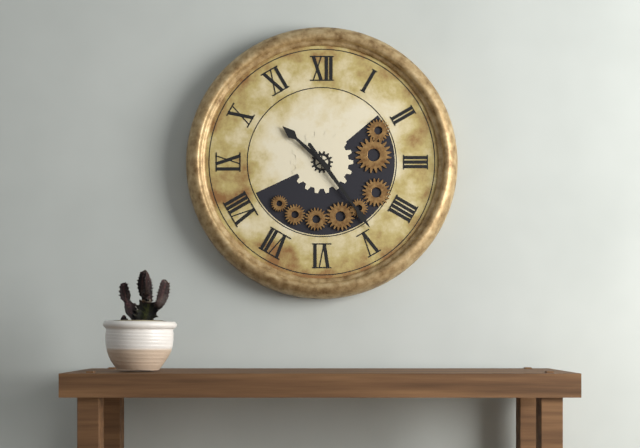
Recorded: 10 h 24 min
